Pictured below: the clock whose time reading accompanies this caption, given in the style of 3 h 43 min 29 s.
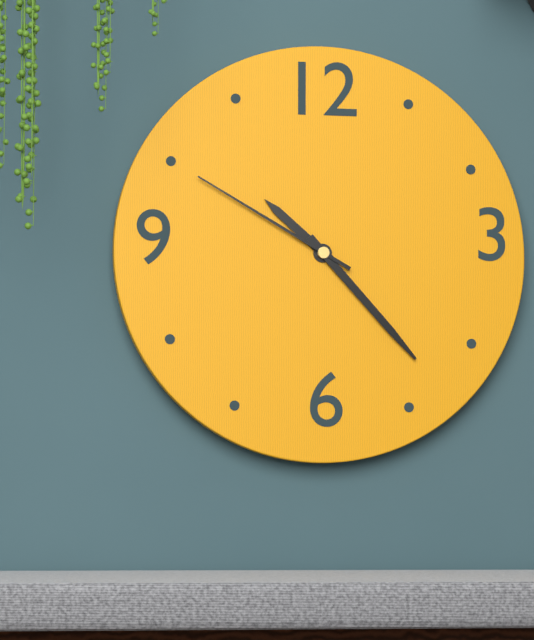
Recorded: 10 h 23 min 50 s
